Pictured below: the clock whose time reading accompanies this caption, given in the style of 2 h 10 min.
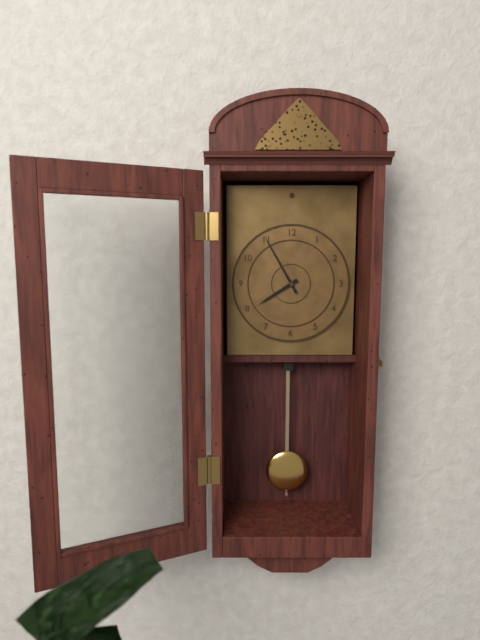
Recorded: 7 h 55 min
